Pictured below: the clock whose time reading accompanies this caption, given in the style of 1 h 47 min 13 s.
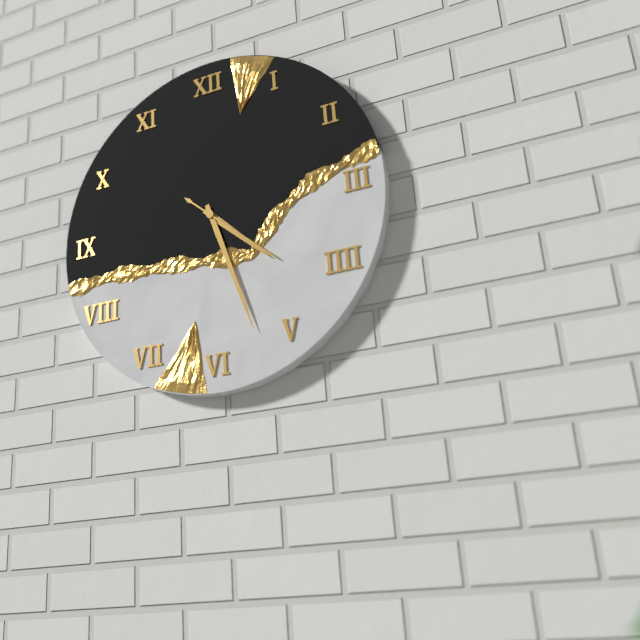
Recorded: 4 h 27 min 22 s
